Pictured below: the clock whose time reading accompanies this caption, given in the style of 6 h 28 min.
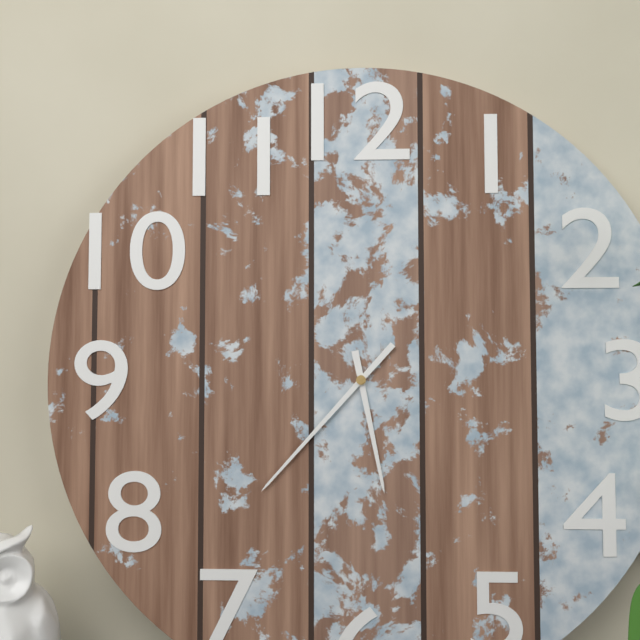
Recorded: 5 h 37 min
